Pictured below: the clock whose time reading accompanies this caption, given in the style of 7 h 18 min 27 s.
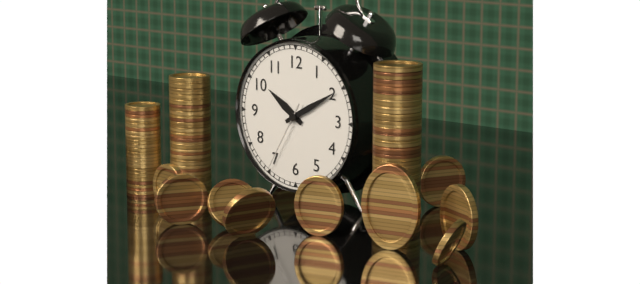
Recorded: 10 h 10 min 35 s
